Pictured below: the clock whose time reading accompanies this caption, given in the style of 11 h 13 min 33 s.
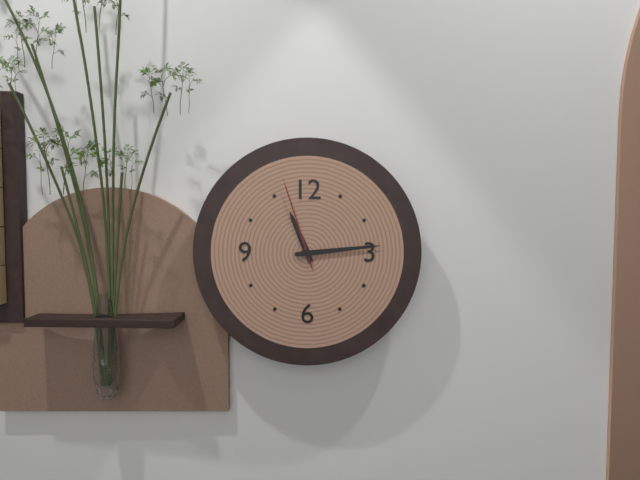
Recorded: 11 h 14 min 57 s
